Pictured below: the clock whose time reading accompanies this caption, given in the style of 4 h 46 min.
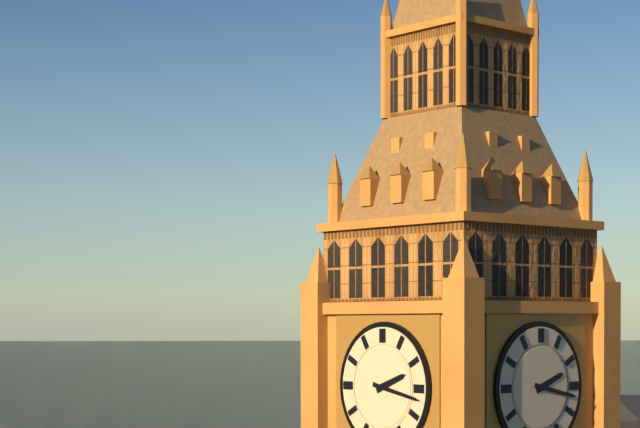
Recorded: 2 h 17 min
